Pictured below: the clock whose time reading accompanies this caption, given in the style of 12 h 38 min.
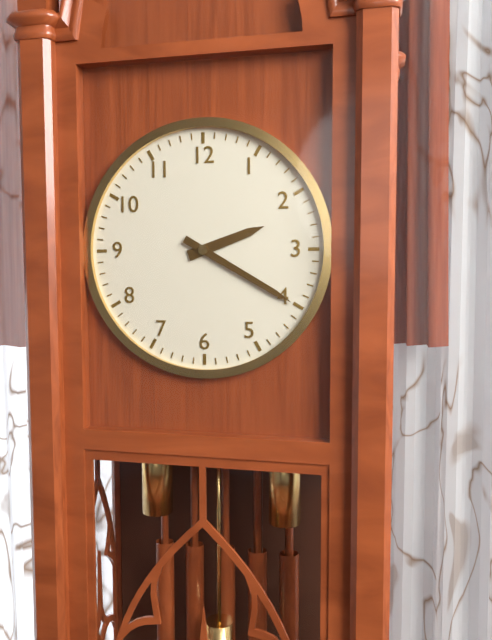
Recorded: 2 h 20 min
